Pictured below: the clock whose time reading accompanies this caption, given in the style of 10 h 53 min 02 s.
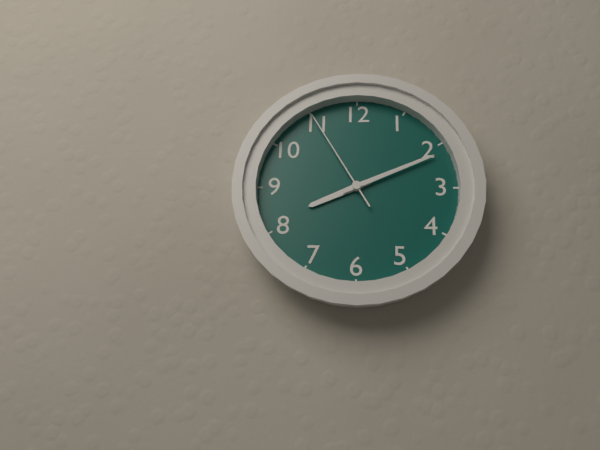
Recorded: 8 h 11 min 55 s
